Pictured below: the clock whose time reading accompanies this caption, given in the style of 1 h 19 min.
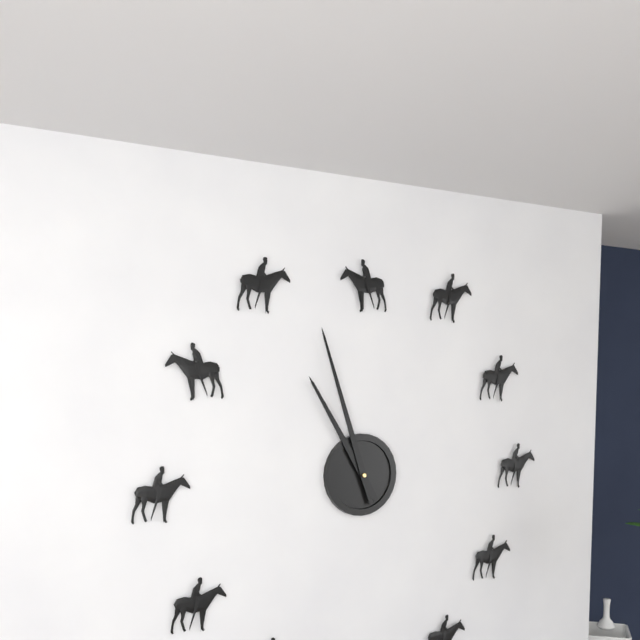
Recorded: 10 h 57 min
